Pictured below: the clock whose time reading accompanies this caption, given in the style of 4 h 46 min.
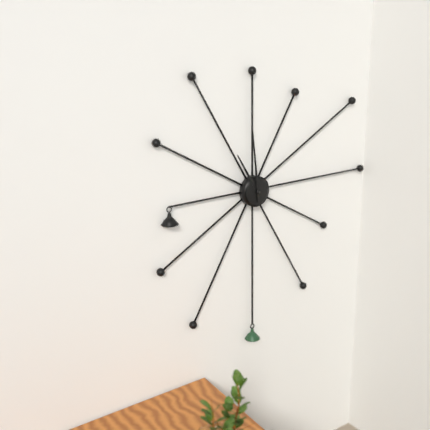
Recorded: 10 h 59 min
